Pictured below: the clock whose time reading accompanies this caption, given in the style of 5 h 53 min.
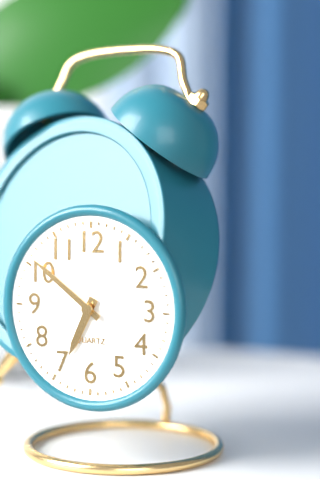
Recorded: 6 h 51 min
